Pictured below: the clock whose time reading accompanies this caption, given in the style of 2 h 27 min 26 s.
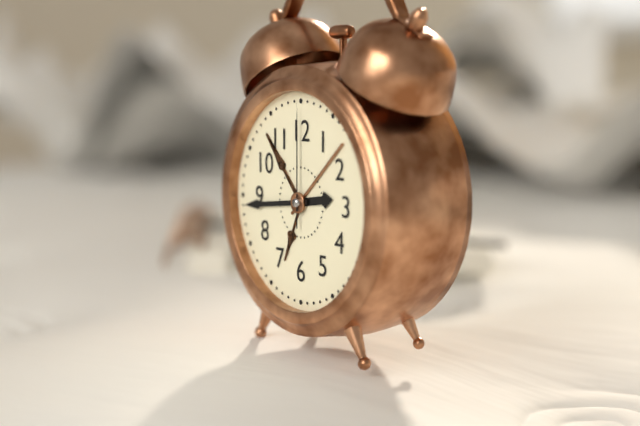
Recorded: 2 h 44 min 00 s
